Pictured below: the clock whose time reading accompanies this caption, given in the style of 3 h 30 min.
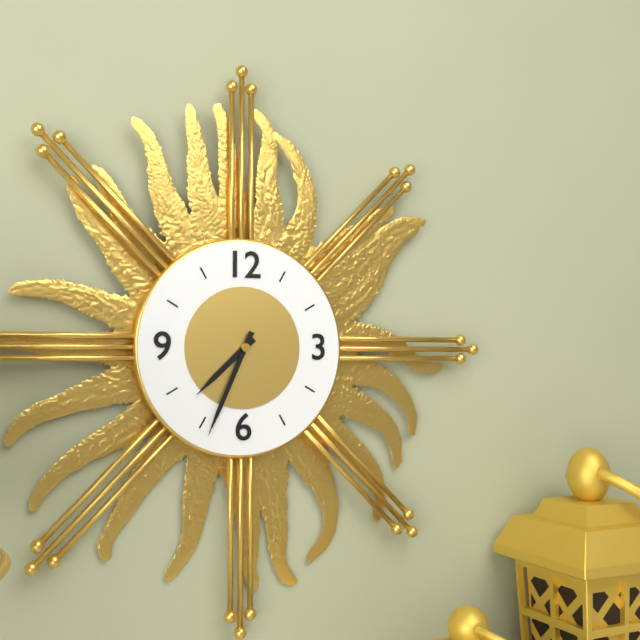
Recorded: 7 h 34 min
